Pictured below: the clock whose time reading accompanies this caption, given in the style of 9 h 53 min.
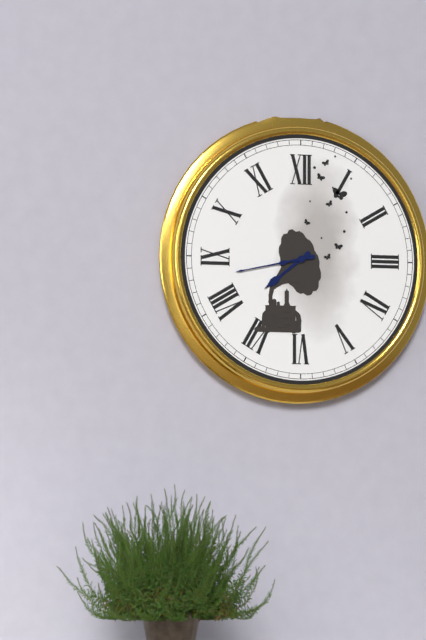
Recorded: 7 h 43 min
